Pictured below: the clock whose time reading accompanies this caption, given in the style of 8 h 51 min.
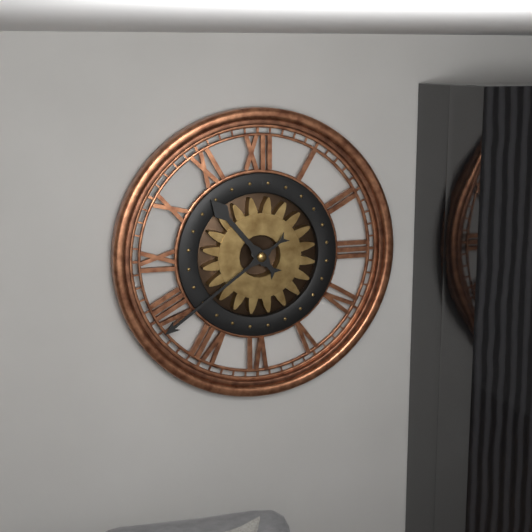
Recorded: 10 h 39 min
